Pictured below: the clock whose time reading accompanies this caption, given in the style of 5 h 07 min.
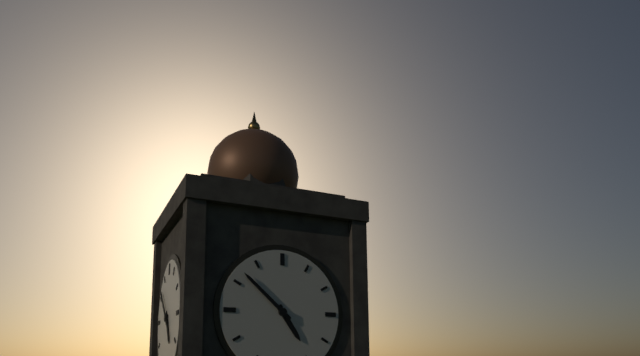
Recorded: 4 h 52 min
